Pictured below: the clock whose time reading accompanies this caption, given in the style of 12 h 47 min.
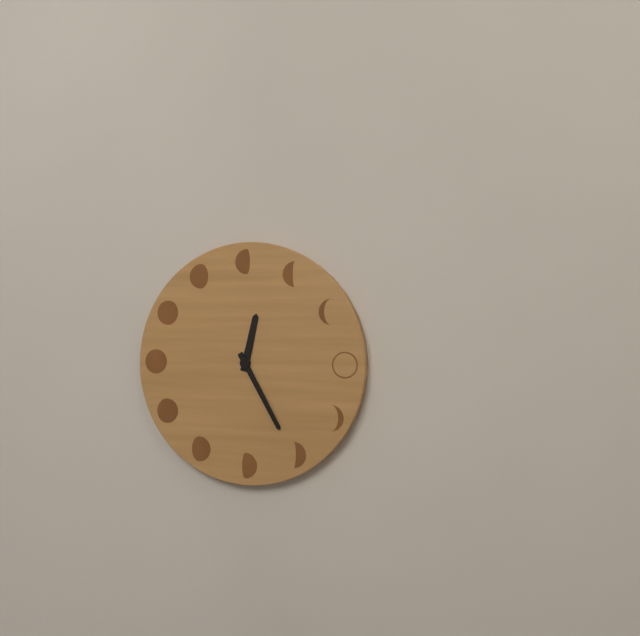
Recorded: 12 h 25 min
